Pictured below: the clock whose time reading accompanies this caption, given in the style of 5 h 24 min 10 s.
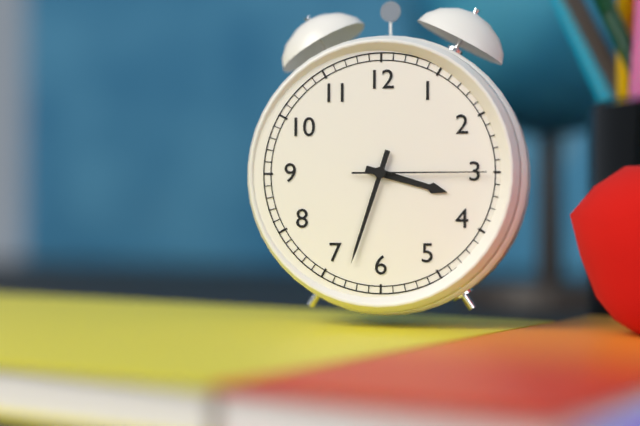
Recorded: 3 h 33 min 15 s
